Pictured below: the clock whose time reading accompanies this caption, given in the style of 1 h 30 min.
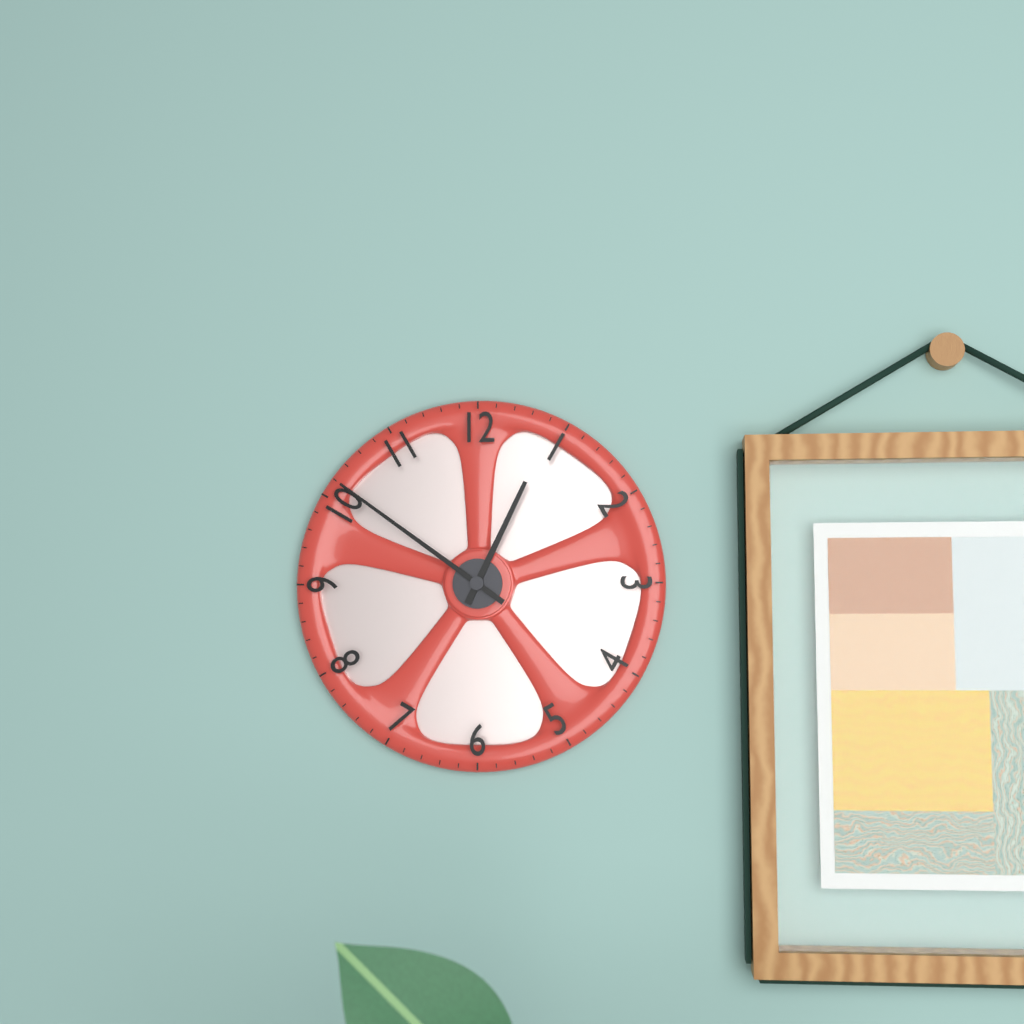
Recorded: 12 h 51 min
